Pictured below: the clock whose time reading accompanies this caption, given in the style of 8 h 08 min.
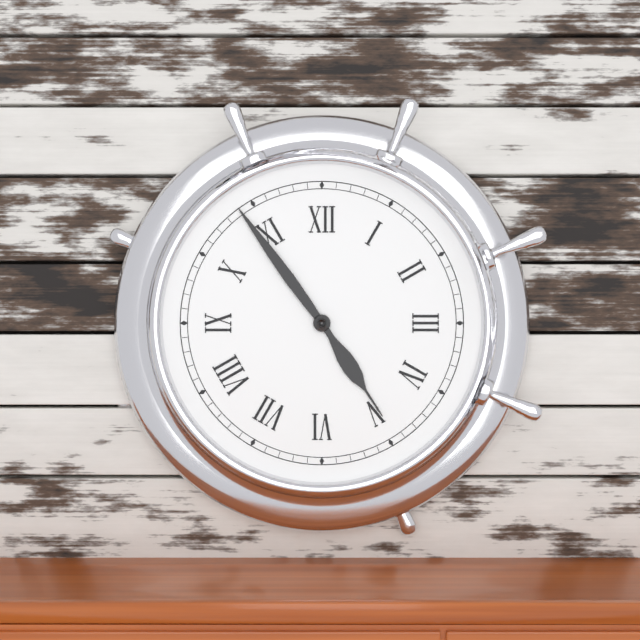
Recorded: 4 h 54 min
